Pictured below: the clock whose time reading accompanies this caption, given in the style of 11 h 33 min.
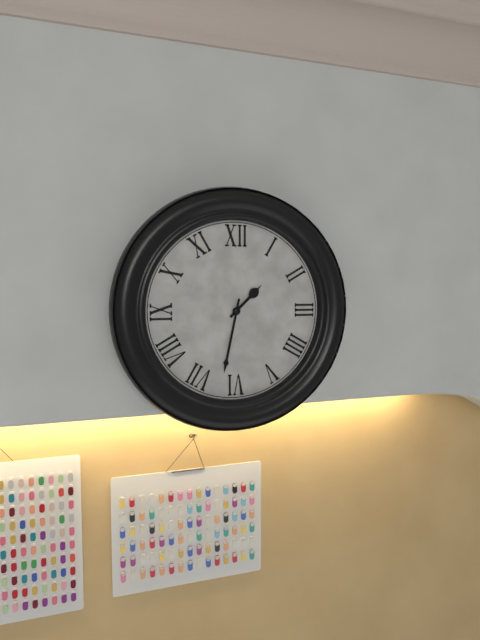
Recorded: 1 h 32 min
